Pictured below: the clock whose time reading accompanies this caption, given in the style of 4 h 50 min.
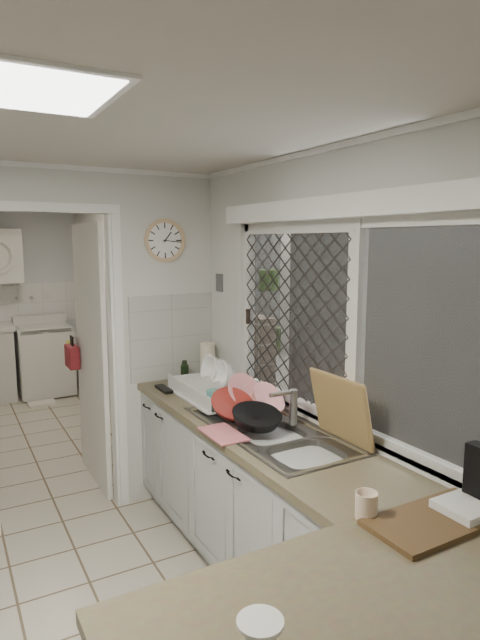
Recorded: 1 h 16 min
